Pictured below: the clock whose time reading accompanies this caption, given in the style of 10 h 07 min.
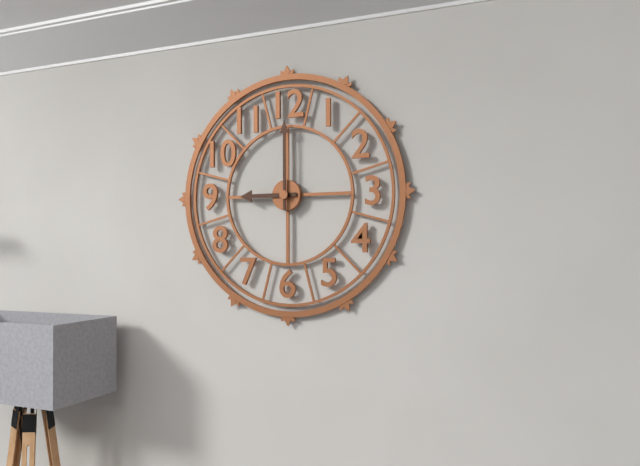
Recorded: 9 h 00 min
